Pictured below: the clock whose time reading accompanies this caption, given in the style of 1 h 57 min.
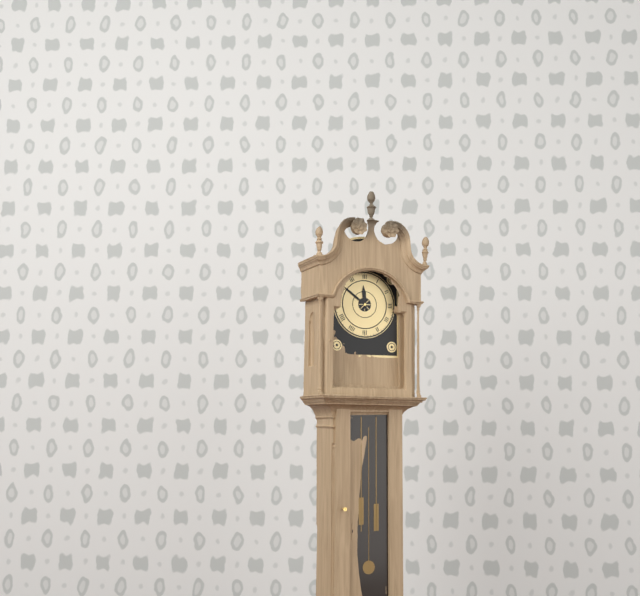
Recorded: 11 h 51 min
